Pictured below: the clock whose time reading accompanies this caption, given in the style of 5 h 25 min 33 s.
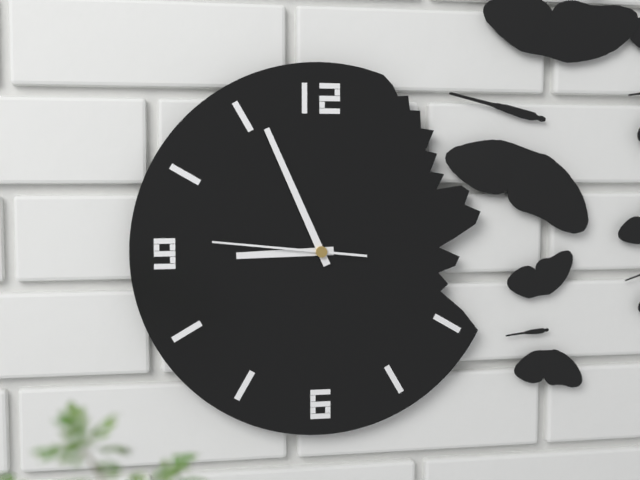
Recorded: 8 h 56 min 46 s
